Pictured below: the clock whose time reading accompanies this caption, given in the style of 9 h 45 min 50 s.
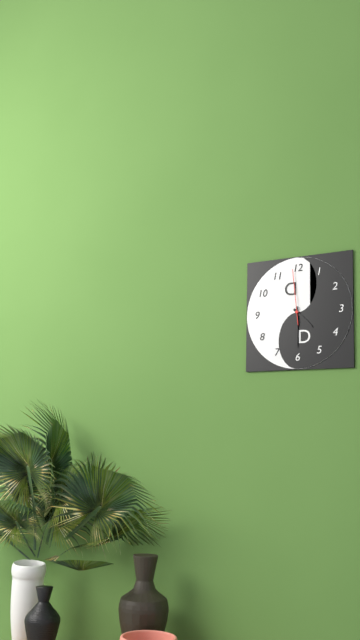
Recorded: 4 h 30 min 59 s
